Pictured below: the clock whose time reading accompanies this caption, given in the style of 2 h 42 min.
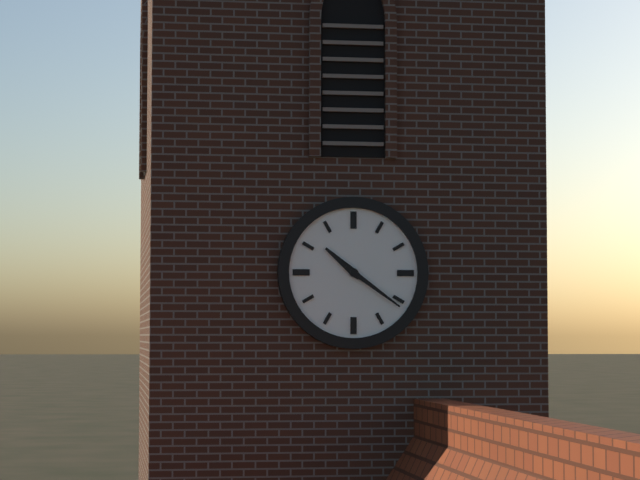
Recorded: 10 h 21 min
